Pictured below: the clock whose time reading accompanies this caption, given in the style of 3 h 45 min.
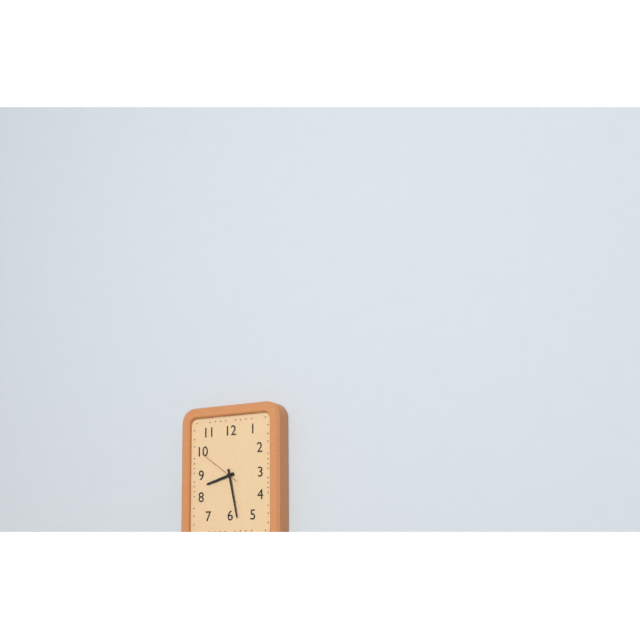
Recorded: 8 h 28 min
